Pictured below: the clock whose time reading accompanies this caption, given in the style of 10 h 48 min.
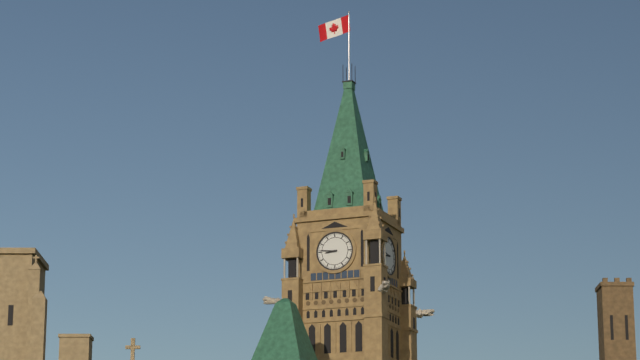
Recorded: 8 h 46 min
